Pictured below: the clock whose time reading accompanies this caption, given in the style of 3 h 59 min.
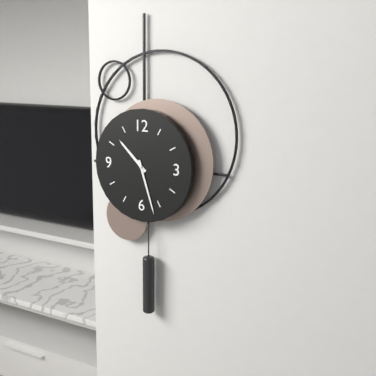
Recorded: 10 h 27 min
